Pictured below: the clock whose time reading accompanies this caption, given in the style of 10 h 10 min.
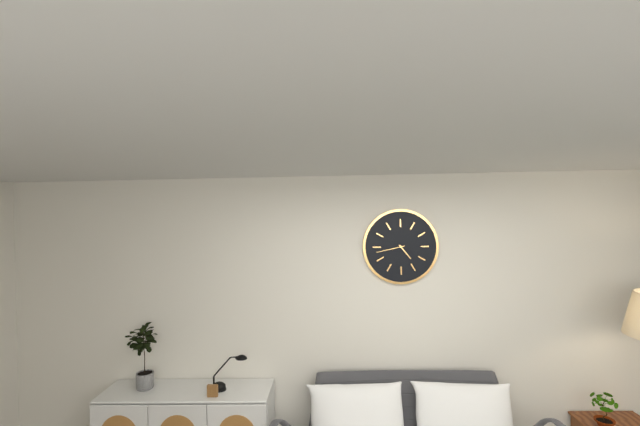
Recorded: 4 h 43 min
